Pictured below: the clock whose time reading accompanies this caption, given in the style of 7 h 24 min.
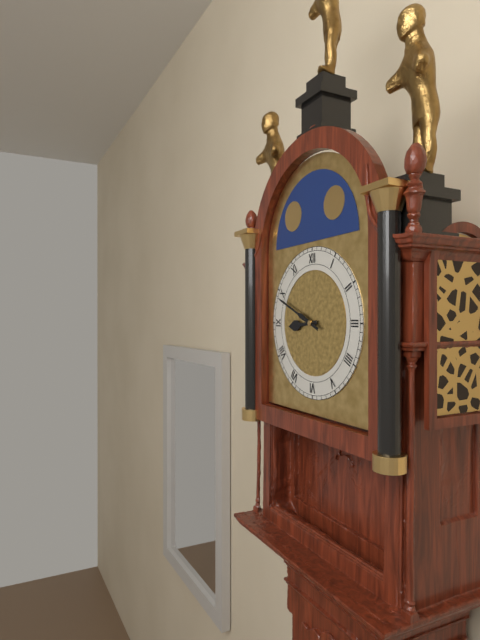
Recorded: 8 h 49 min
